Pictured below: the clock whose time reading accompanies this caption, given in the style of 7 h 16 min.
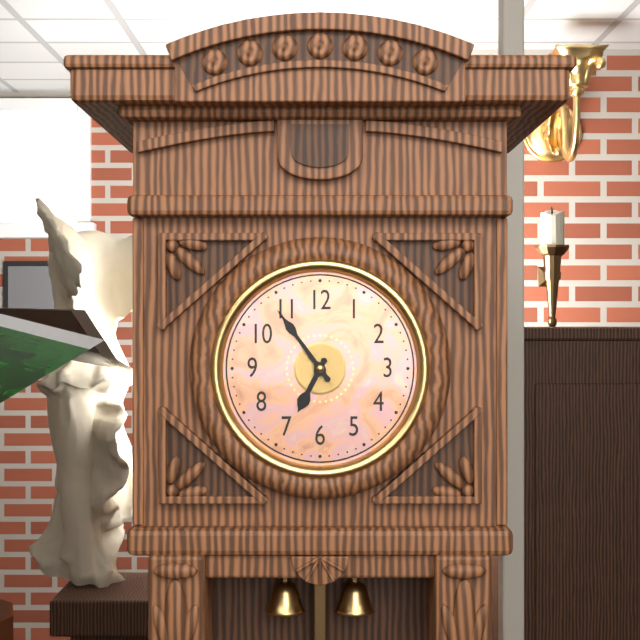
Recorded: 6 h 54 min
